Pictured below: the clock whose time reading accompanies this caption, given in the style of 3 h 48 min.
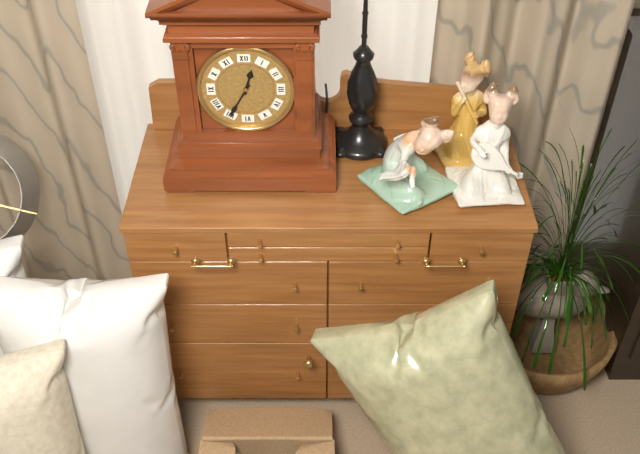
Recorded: 12 h 35 min
